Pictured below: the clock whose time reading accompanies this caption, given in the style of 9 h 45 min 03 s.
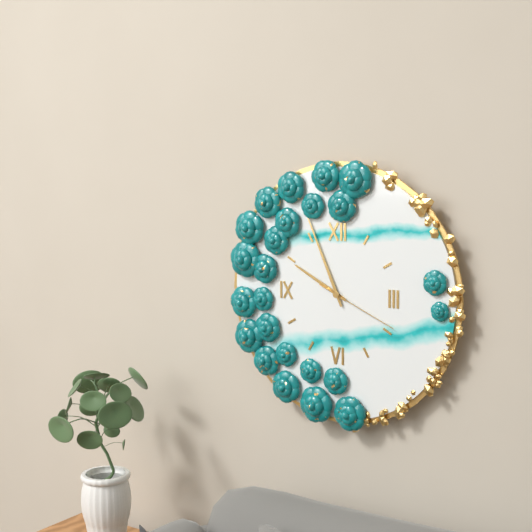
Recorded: 9 h 56 min 19 s
